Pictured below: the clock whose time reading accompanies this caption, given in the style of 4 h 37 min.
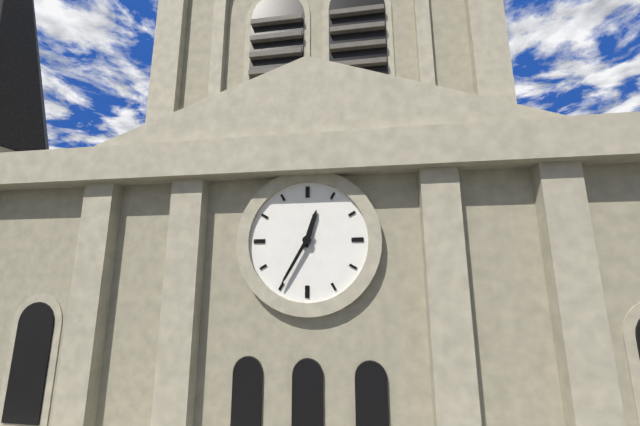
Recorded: 12 h 35 min
